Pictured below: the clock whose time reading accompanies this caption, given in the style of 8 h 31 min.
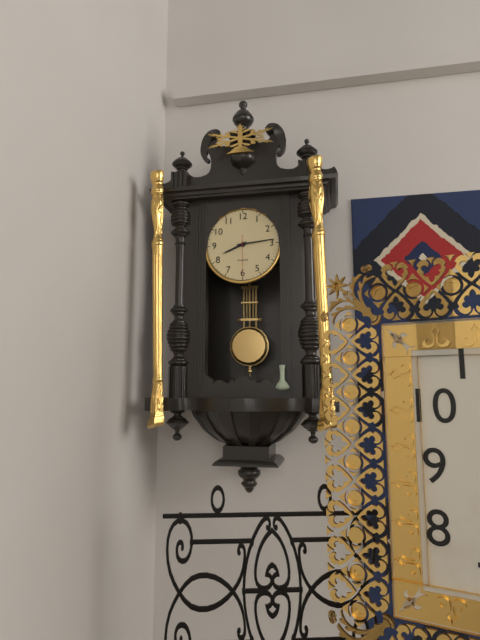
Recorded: 8 h 14 min
